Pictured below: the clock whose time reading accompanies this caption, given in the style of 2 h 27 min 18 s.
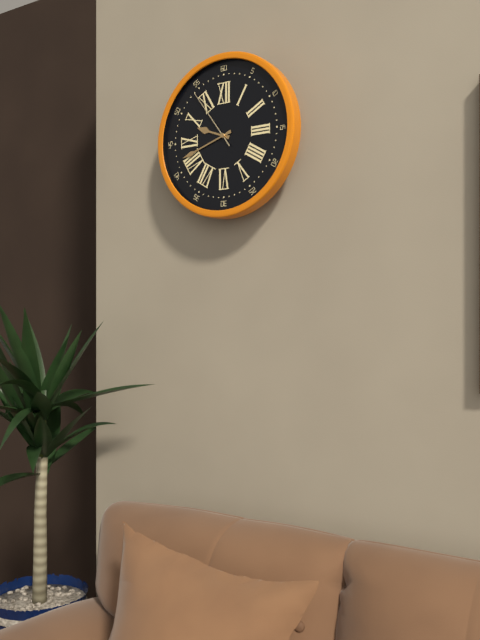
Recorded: 9 h 42 min 54 s
